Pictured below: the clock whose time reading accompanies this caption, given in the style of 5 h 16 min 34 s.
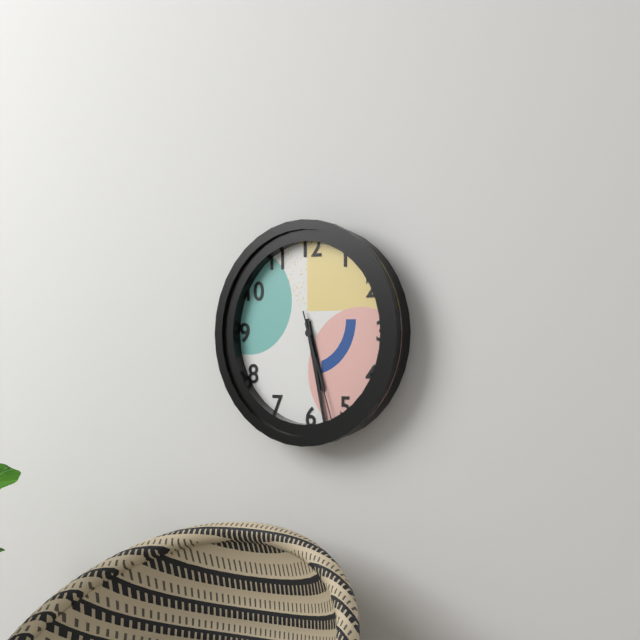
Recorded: 5 h 28 min 27 s
